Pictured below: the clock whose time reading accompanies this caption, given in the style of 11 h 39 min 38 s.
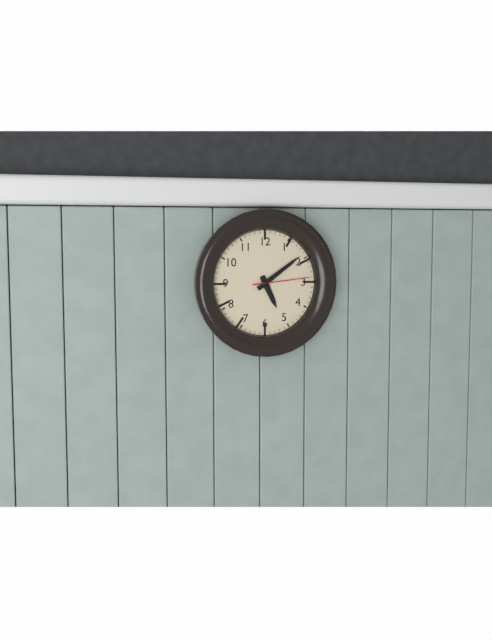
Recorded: 5 h 09 min 14 s
